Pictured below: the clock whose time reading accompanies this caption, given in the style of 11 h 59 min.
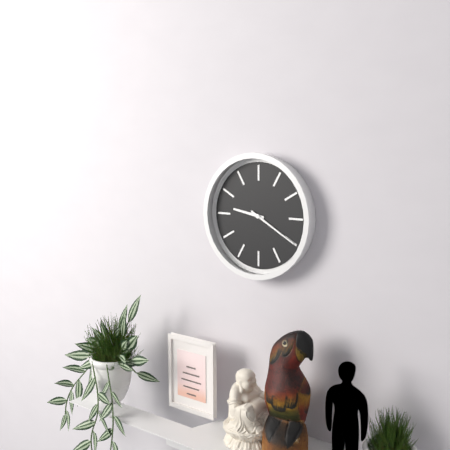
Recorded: 9 h 20 min
